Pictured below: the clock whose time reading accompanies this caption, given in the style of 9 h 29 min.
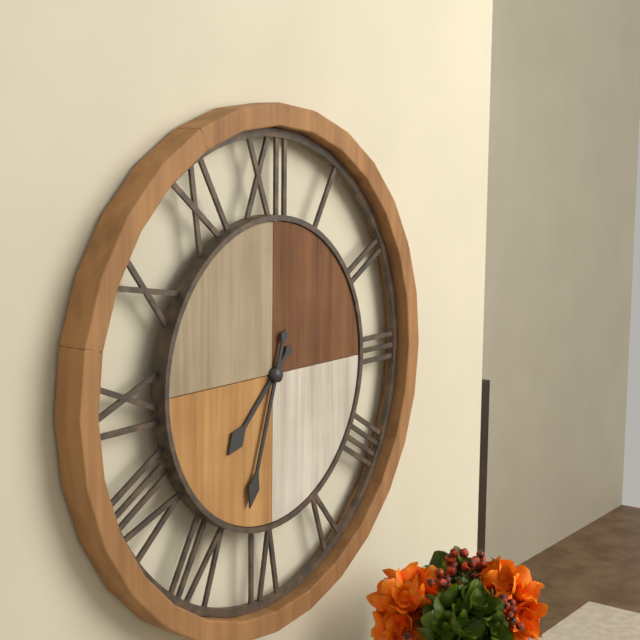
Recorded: 7 h 33 min
